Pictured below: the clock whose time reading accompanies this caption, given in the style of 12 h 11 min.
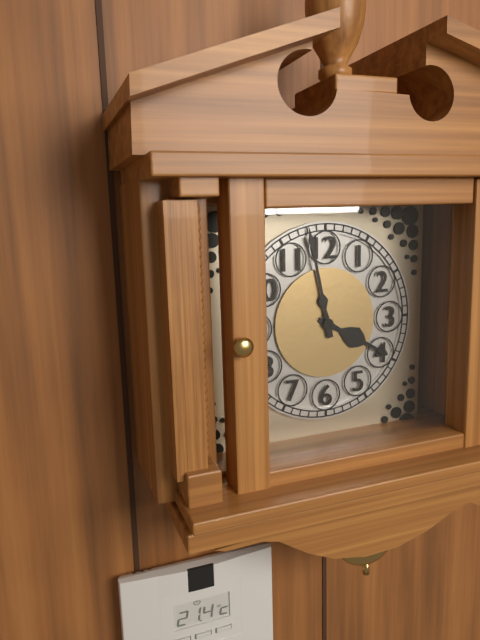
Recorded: 3 h 58 min
